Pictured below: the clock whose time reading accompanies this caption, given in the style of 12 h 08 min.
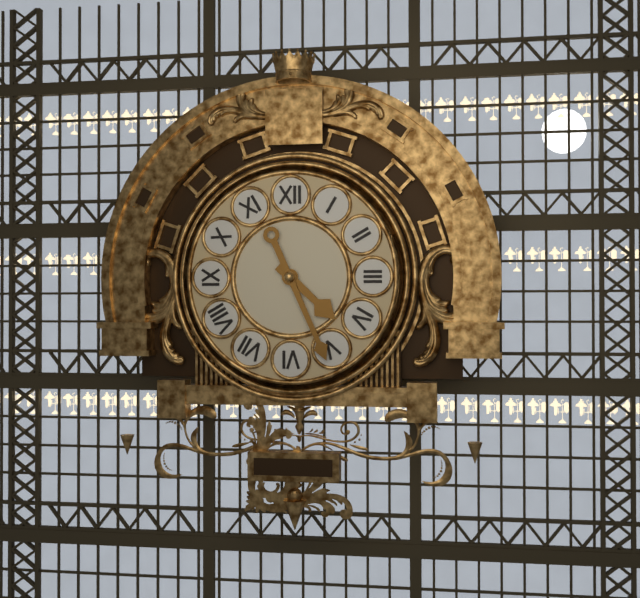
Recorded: 4 h 26 min
